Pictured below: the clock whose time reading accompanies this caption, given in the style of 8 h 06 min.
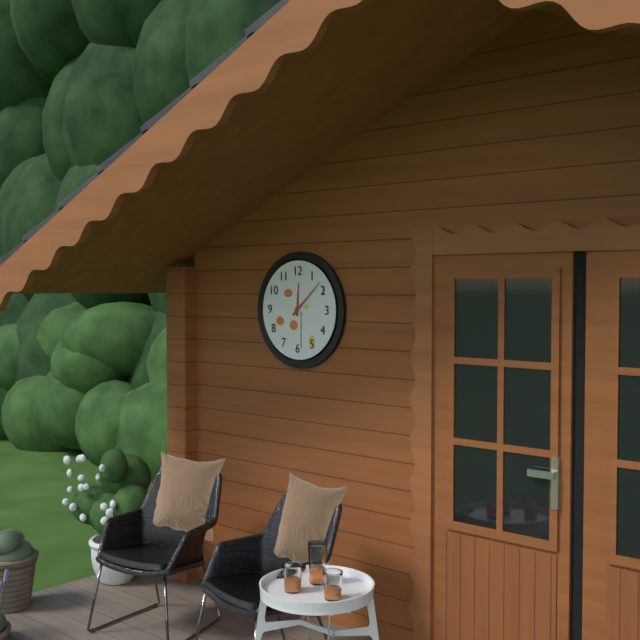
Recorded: 12 h 08 min
